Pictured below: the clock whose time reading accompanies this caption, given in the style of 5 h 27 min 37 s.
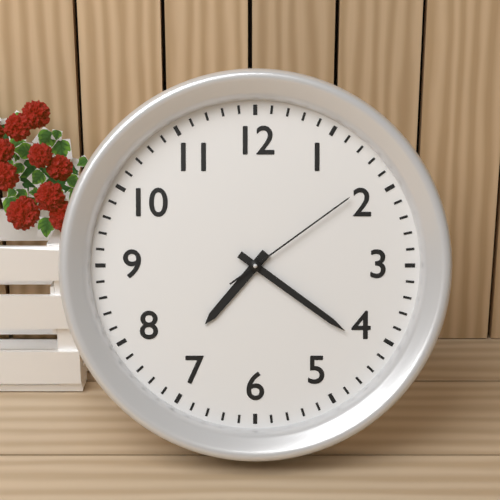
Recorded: 7 h 21 min 09 s
